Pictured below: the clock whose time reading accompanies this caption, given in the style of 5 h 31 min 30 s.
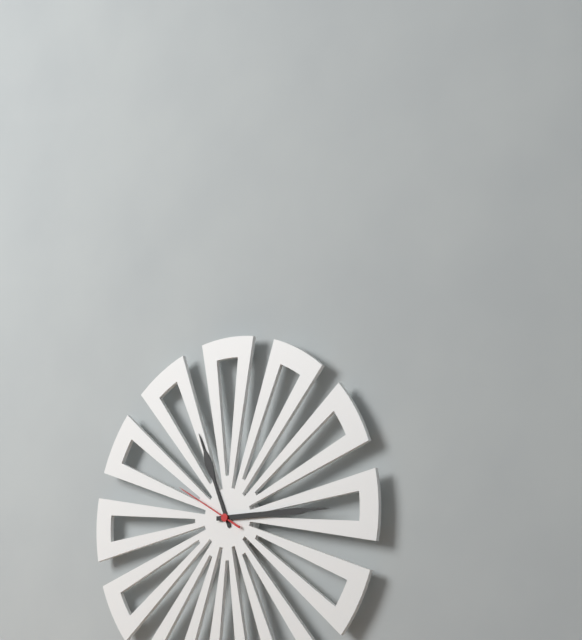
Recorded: 11 h 15 min 50 s
